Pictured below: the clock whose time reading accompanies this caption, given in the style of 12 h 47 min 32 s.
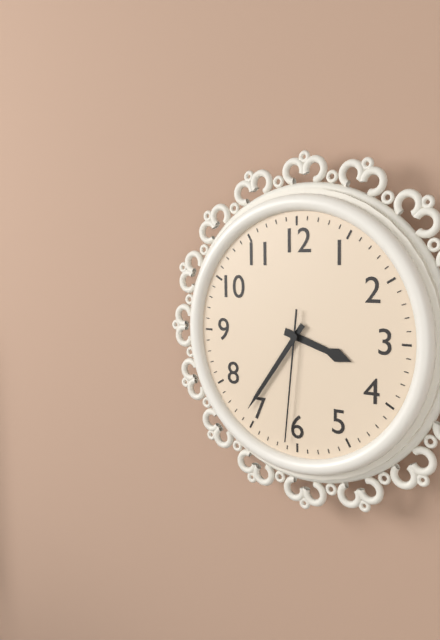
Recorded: 3 h 36 min 31 s
